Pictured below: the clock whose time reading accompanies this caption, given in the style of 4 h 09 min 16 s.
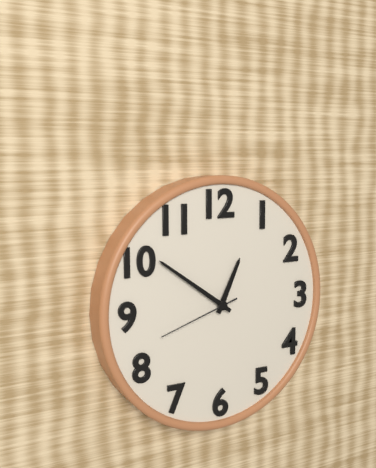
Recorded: 12 h 51 min 42 s
